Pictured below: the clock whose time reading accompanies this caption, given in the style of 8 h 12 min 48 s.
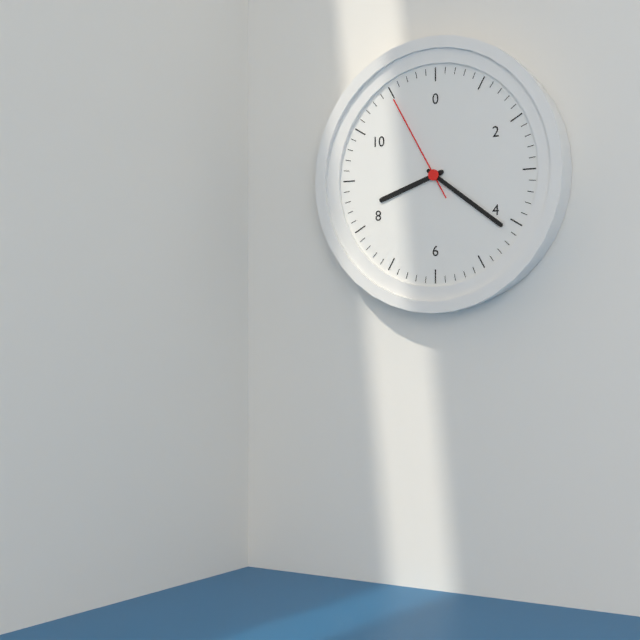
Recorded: 8 h 21 min 55 s
